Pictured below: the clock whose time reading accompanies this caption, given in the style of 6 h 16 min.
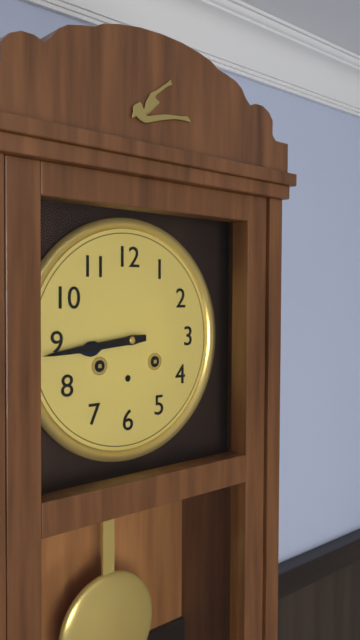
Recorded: 8 h 44 min
